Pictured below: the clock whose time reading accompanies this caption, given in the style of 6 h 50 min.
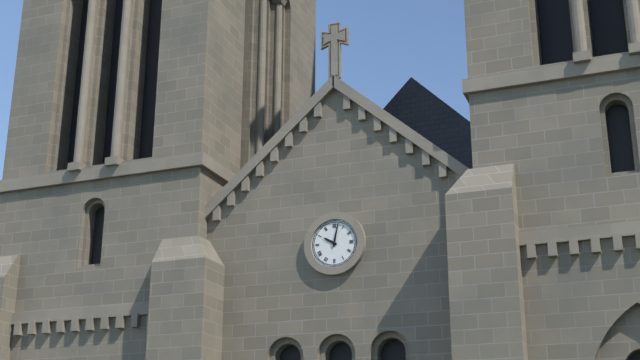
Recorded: 10 h 02 min
